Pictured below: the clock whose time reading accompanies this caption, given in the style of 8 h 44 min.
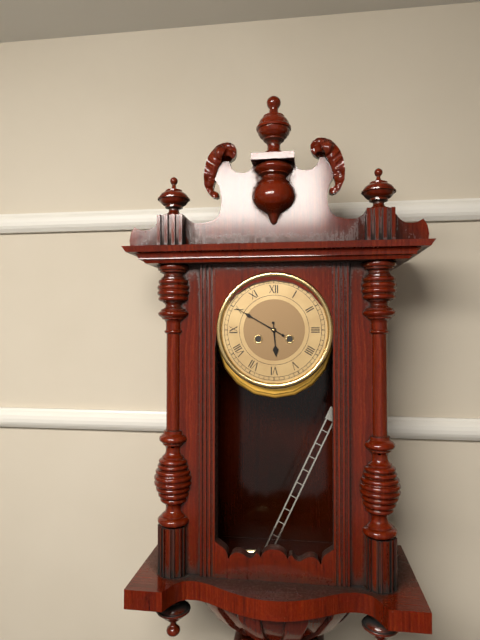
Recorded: 5 h 50 min
